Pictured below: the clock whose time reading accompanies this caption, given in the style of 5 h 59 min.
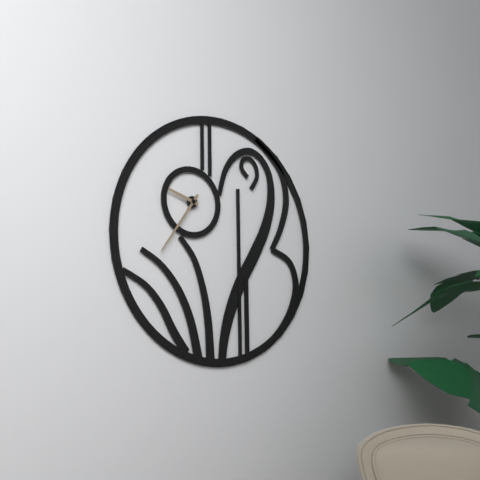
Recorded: 9 h 36 min
